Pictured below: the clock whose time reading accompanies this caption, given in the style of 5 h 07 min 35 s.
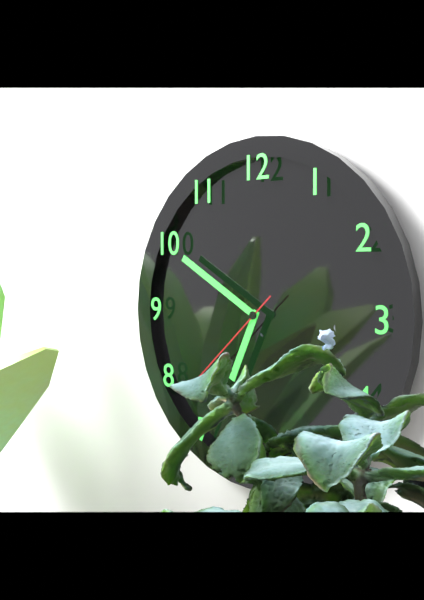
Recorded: 6 h 50 min 38 s
